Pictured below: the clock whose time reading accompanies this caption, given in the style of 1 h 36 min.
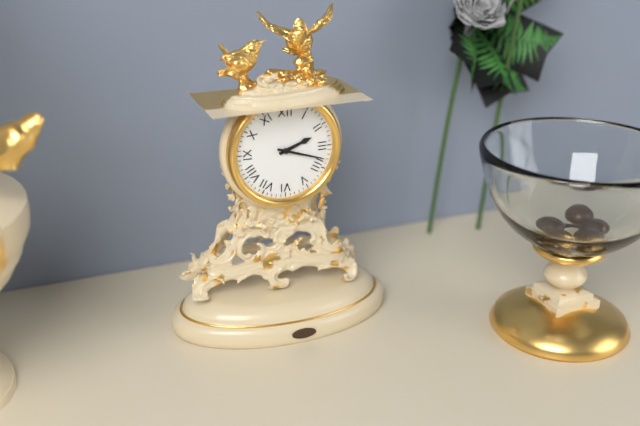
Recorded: 2 h 18 min
